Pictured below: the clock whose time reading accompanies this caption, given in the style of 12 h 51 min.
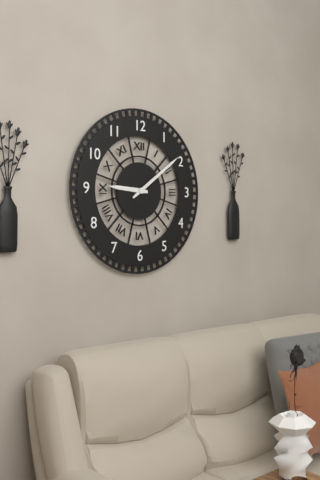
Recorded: 9 h 09 min
